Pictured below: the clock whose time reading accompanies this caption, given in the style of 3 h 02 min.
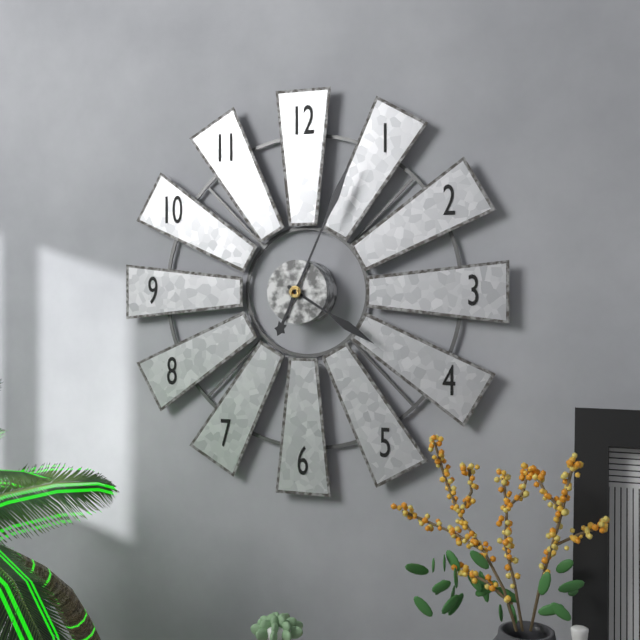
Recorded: 4 h 04 min
